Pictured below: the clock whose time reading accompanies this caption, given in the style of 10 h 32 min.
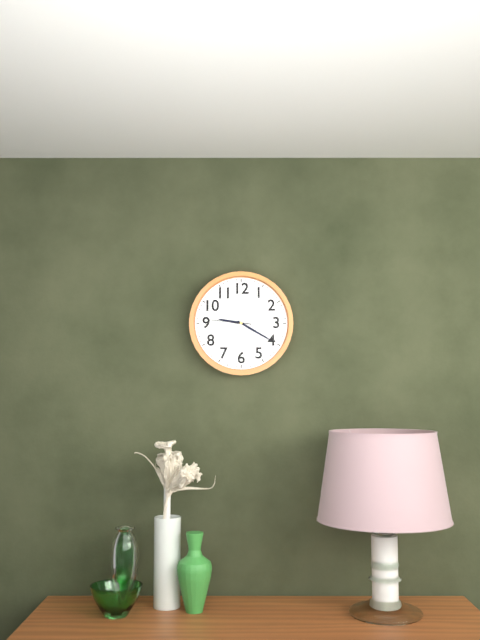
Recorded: 9 h 20 min
